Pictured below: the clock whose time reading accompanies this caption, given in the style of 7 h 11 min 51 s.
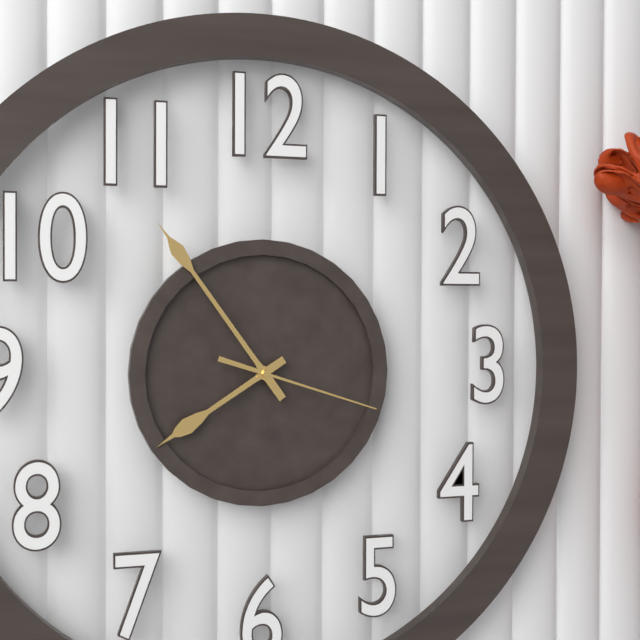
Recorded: 7 h 54 min 18 s
